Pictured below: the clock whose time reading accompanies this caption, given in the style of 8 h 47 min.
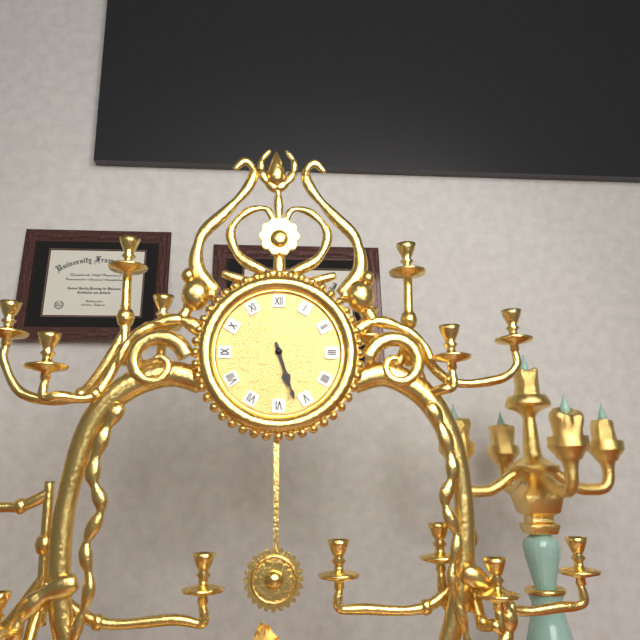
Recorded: 5 h 27 min
